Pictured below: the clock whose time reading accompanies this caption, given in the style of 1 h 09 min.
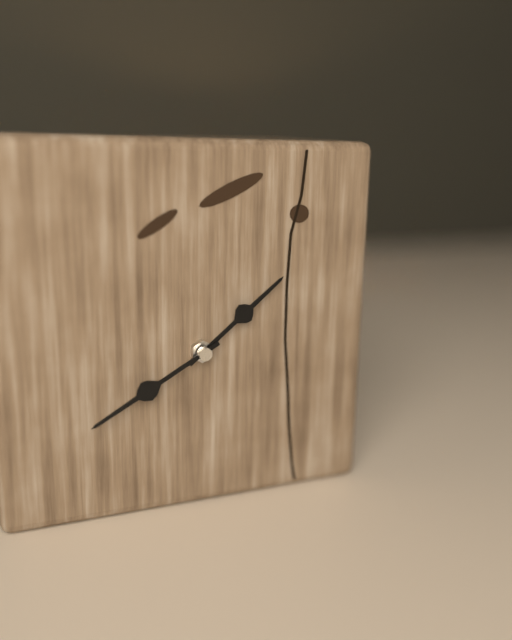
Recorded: 1 h 40 min
